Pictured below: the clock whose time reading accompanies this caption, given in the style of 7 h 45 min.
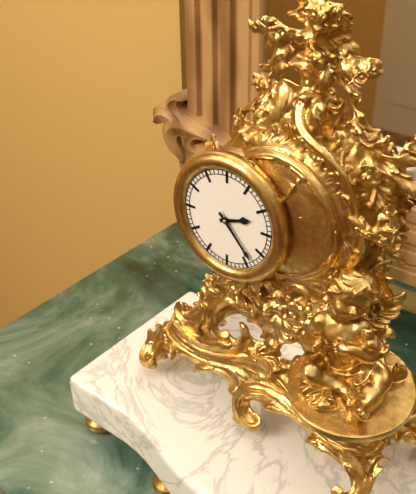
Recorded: 2 h 23 min
